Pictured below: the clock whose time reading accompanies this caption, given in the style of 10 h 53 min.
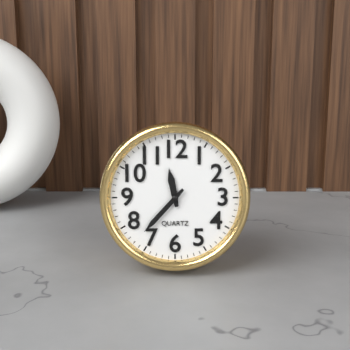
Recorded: 11 h 37 min
